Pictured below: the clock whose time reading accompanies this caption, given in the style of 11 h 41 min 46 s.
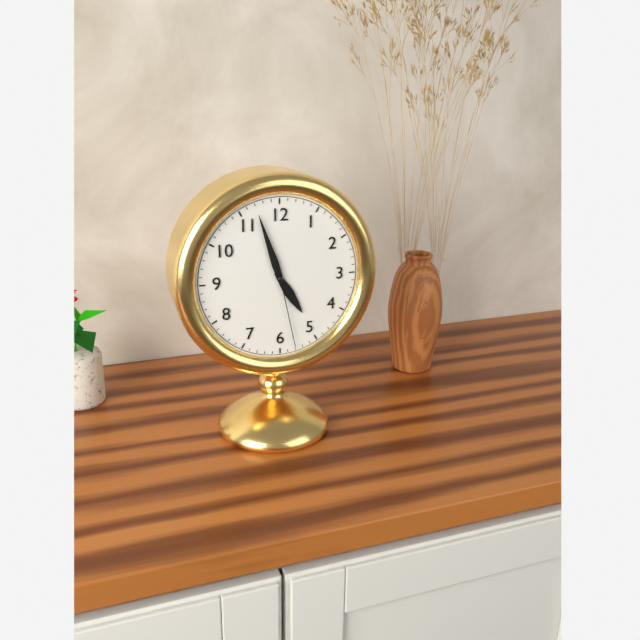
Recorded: 4 h 57 min 28 s
